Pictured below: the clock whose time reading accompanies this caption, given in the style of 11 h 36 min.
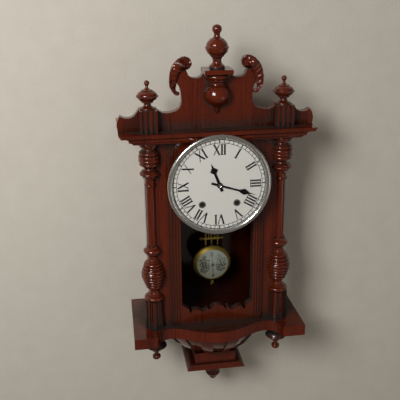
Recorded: 11 h 18 min
